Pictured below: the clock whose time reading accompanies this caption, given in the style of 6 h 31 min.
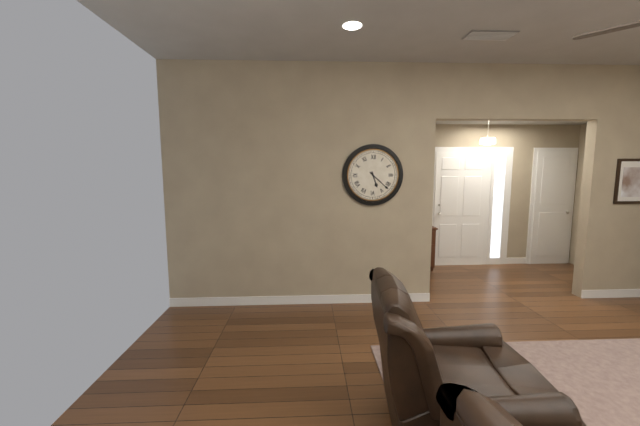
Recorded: 5 h 22 min
